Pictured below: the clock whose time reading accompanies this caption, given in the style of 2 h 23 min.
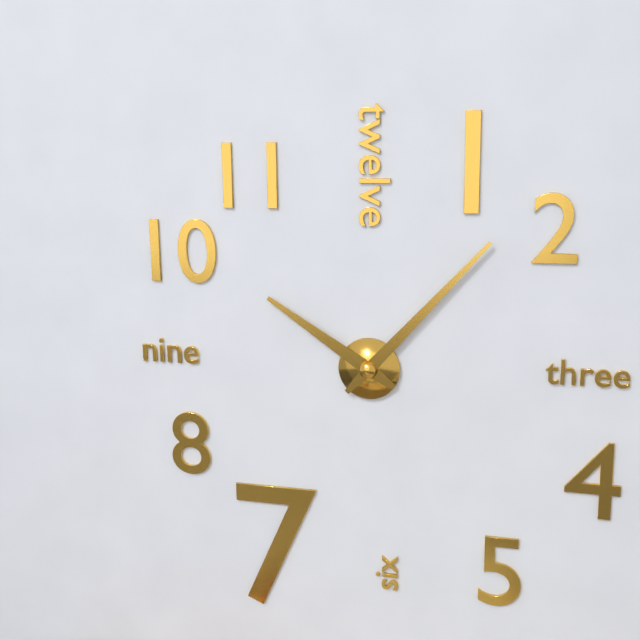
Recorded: 10 h 07 min
